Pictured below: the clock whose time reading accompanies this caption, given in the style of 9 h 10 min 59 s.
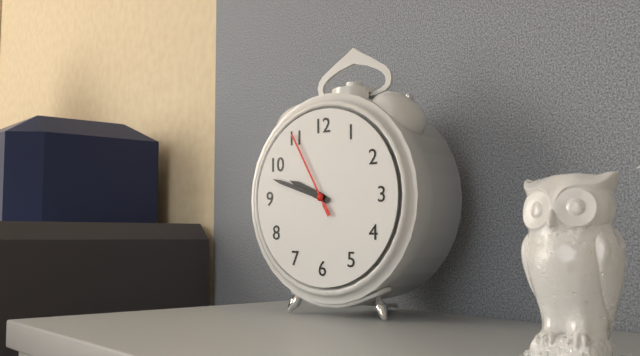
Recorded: 9 h 48 min 55 s
